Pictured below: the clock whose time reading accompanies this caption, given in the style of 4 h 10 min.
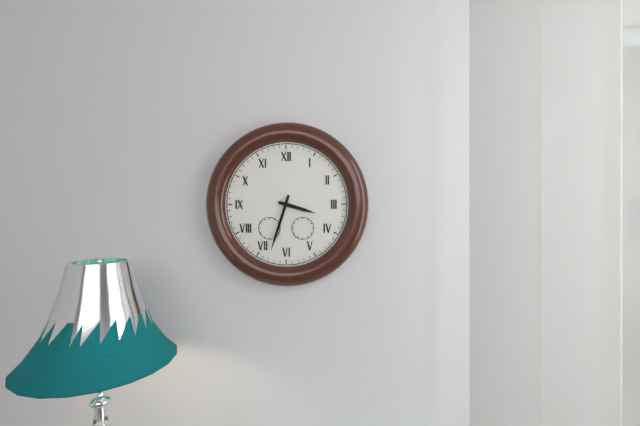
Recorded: 3 h 33 min
